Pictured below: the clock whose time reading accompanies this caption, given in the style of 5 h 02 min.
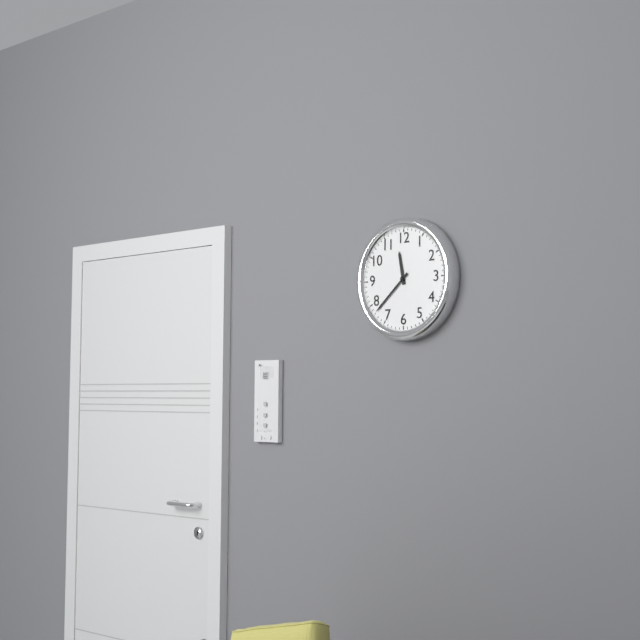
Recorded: 11 h 38 min
